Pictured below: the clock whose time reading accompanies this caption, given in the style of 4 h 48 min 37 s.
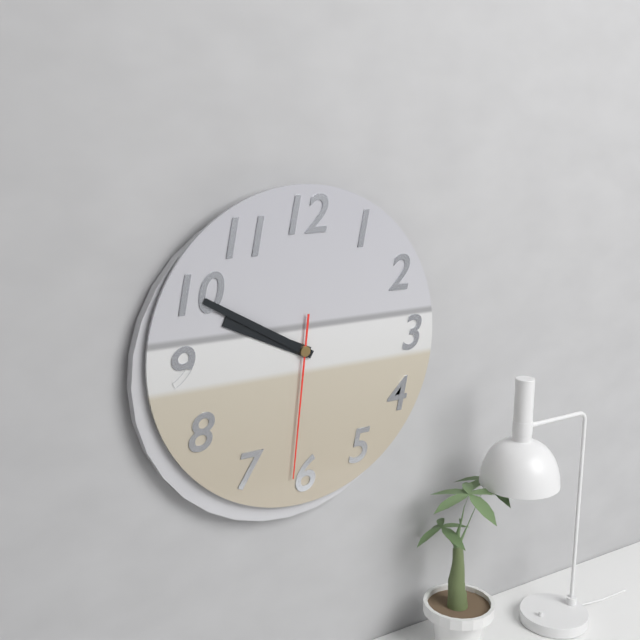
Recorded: 9 h 50 min 31 s
